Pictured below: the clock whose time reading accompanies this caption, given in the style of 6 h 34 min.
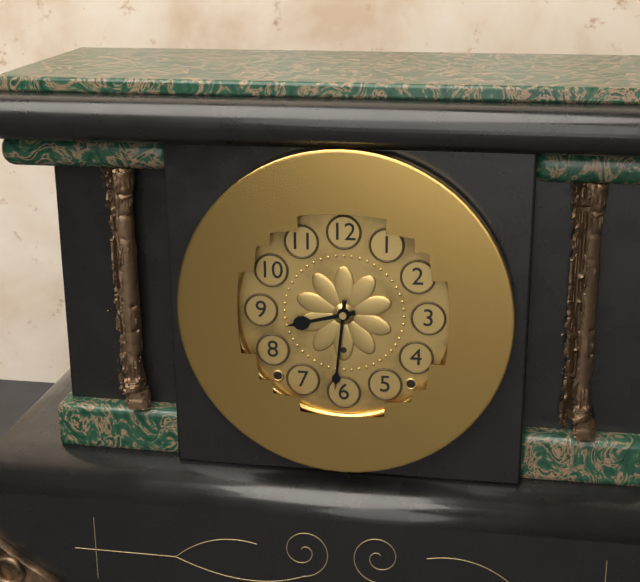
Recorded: 8 h 31 min
